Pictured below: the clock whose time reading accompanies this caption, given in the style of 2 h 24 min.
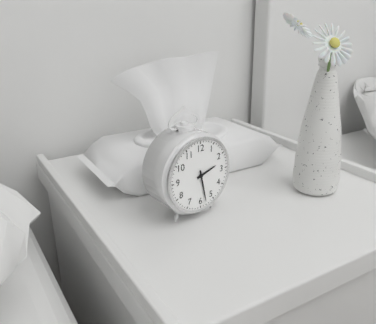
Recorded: 2 h 28 min
